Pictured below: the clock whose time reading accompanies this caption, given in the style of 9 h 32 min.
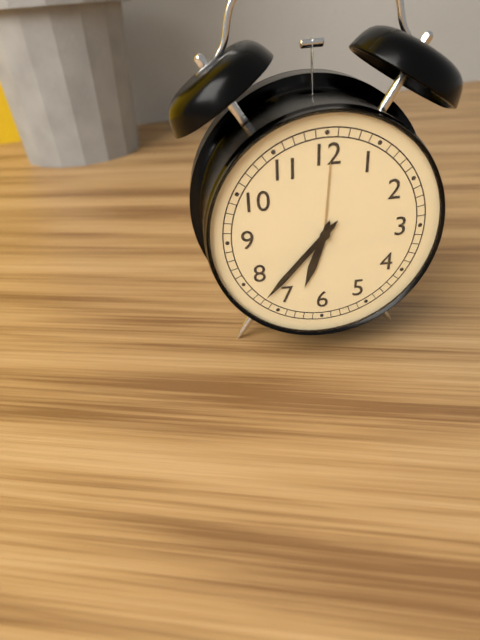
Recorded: 6 h 37 min
